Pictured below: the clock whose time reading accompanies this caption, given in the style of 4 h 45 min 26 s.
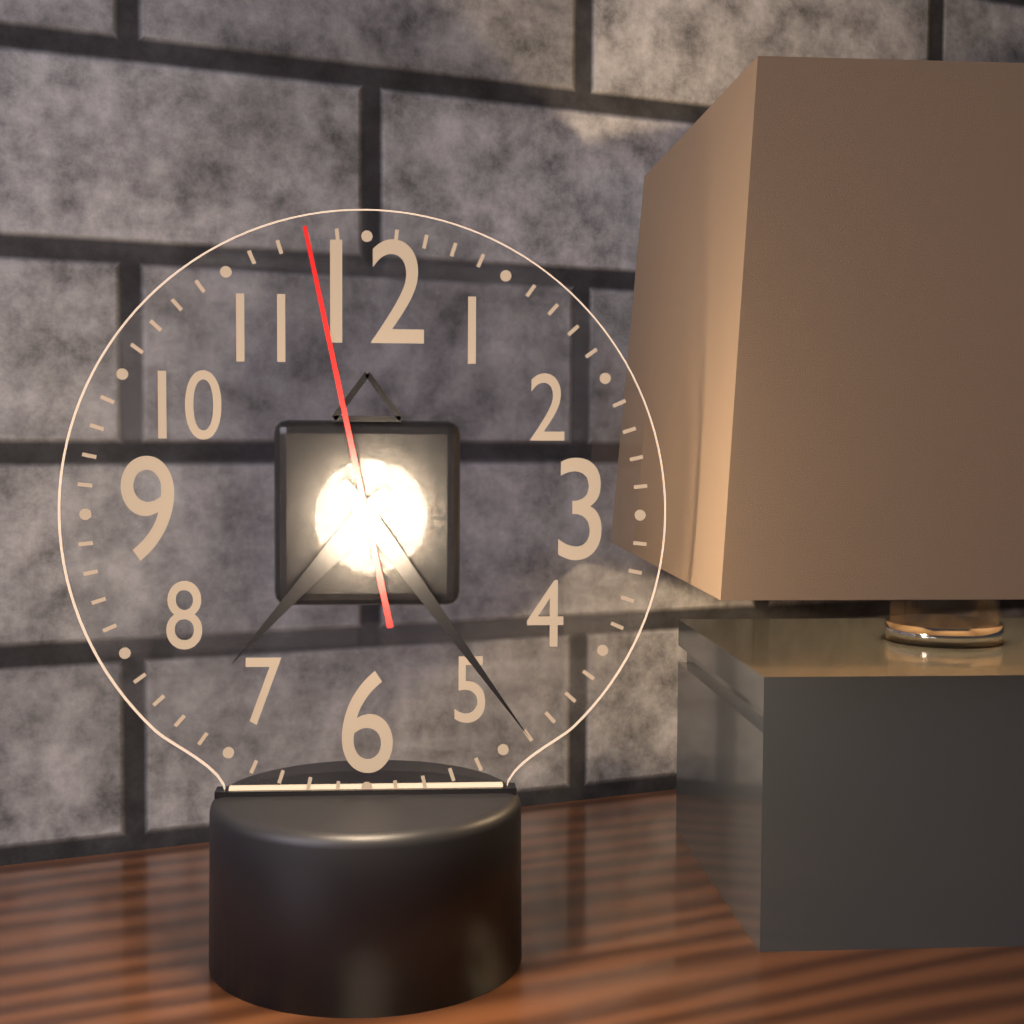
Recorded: 7 h 24 min 58 s
